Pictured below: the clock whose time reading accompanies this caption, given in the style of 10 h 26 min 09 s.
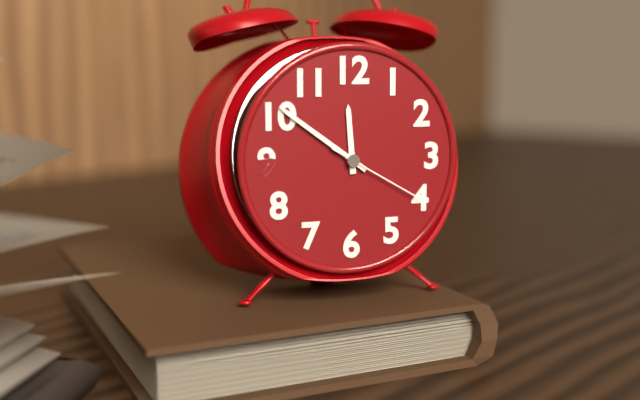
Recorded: 11 h 51 min 20 s
